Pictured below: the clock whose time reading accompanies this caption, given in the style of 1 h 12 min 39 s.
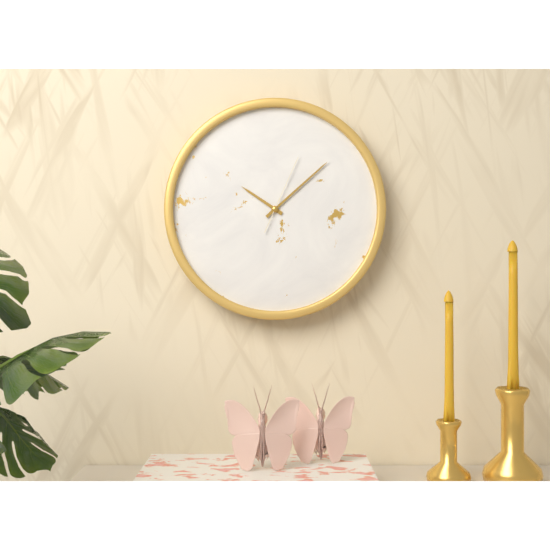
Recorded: 10 h 08 min 04 s
